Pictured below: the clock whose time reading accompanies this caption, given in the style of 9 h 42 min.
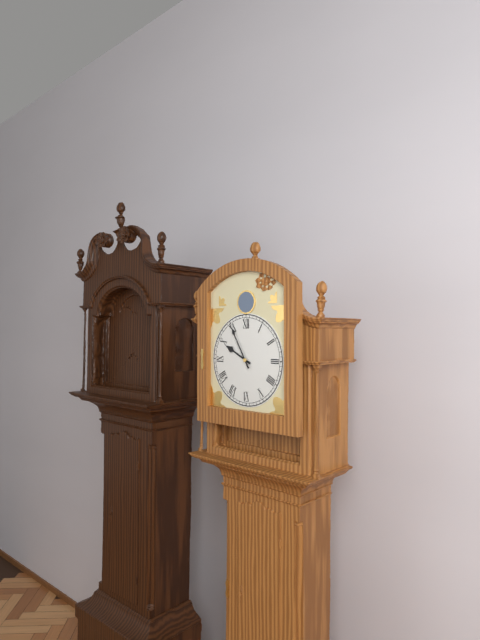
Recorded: 9 h 55 min
